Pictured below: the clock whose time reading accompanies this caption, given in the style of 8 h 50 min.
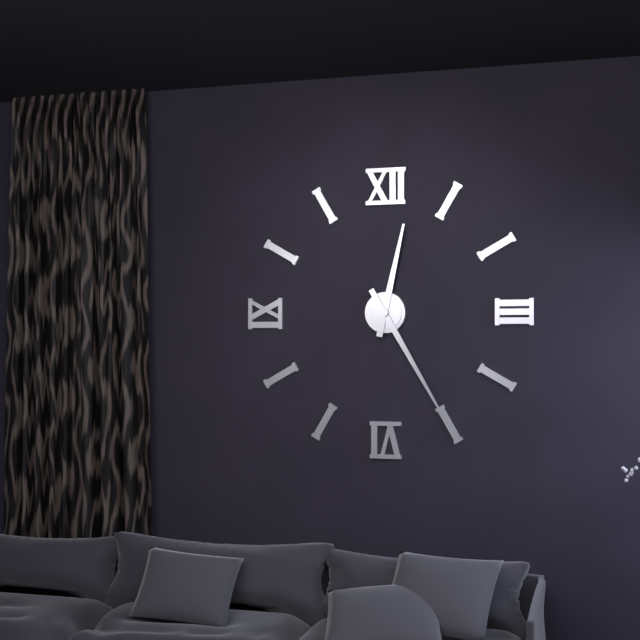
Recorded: 12 h 25 min
